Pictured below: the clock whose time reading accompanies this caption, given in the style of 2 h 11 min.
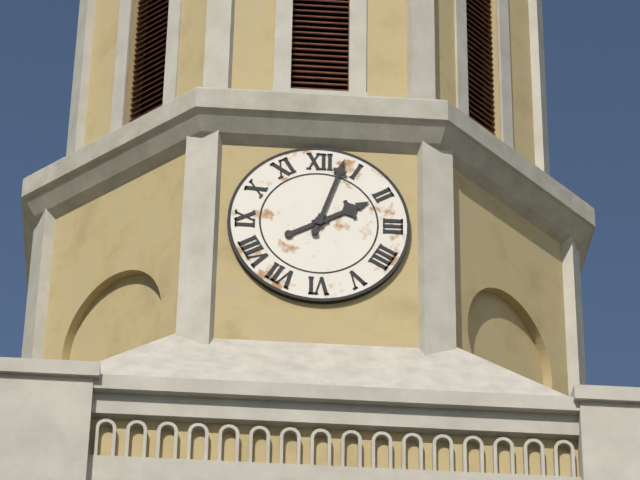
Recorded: 2 h 03 min
